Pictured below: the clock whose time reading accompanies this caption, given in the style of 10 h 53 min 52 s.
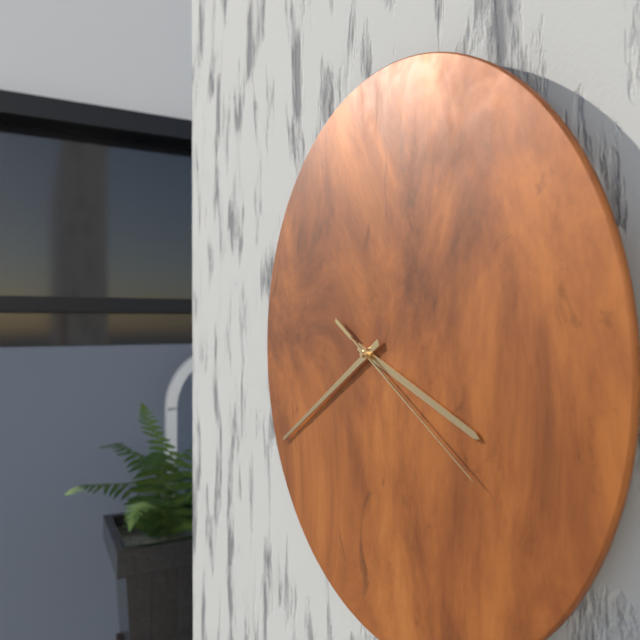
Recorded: 3 h 40 min 20 s
